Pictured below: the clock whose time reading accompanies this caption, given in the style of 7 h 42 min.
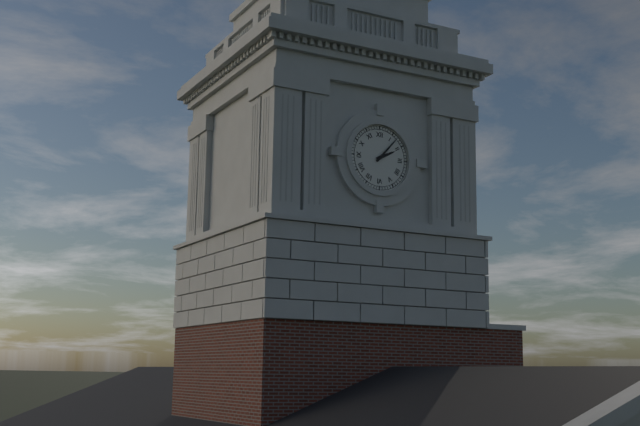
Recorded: 2 h 07 min
